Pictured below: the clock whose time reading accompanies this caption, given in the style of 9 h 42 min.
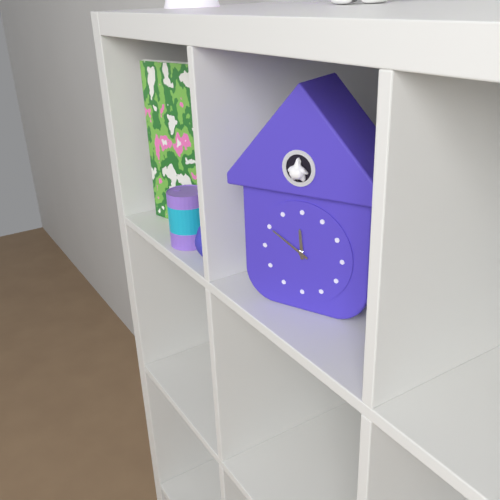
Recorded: 11 h 50 min
